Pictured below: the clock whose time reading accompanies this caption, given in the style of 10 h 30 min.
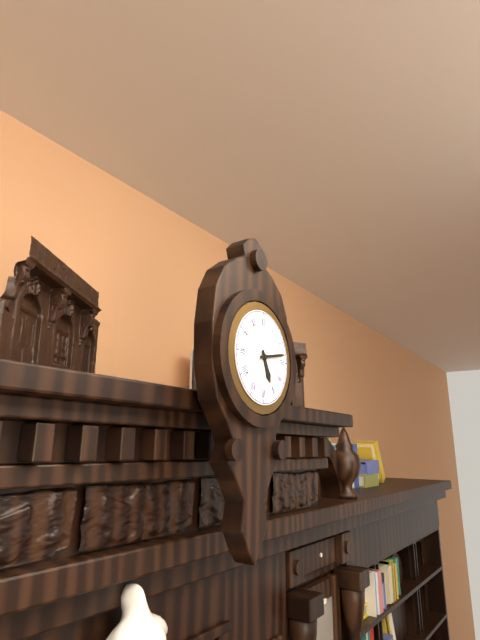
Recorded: 5 h 13 min
